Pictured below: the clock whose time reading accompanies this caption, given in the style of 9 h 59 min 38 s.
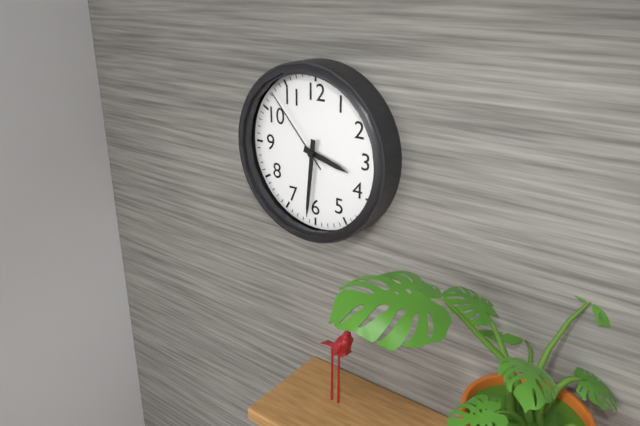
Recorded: 3 h 31 min 53 s
